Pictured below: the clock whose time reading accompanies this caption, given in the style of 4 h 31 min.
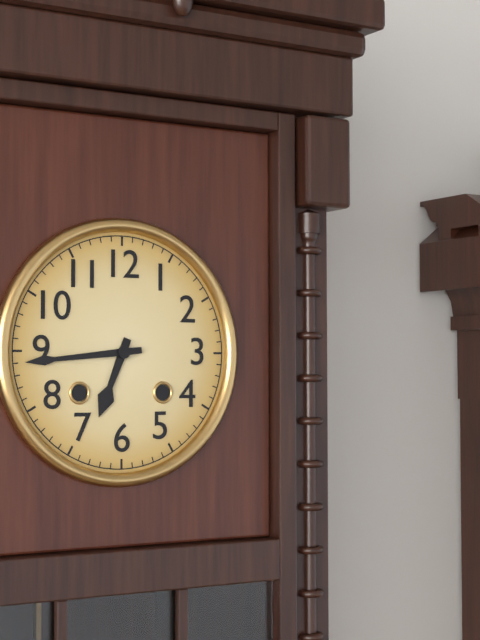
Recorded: 6 h 44 min
